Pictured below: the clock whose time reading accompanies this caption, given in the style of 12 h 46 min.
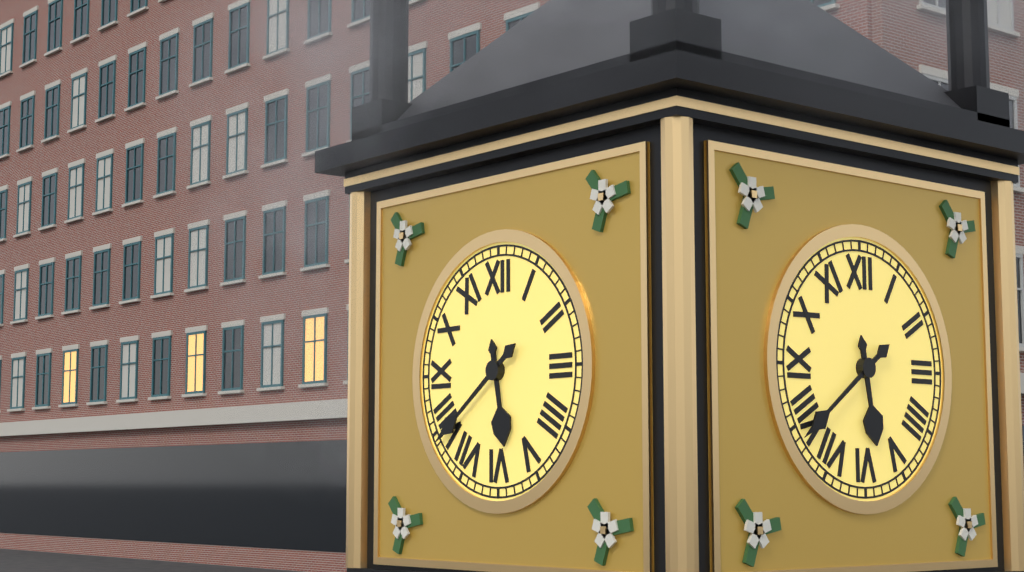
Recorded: 5 h 39 min
